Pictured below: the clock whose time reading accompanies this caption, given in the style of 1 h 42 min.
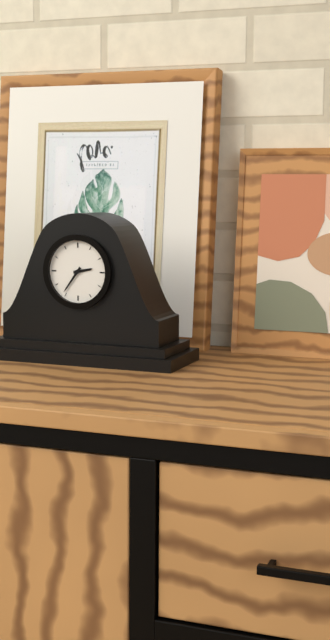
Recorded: 2 h 36 min
